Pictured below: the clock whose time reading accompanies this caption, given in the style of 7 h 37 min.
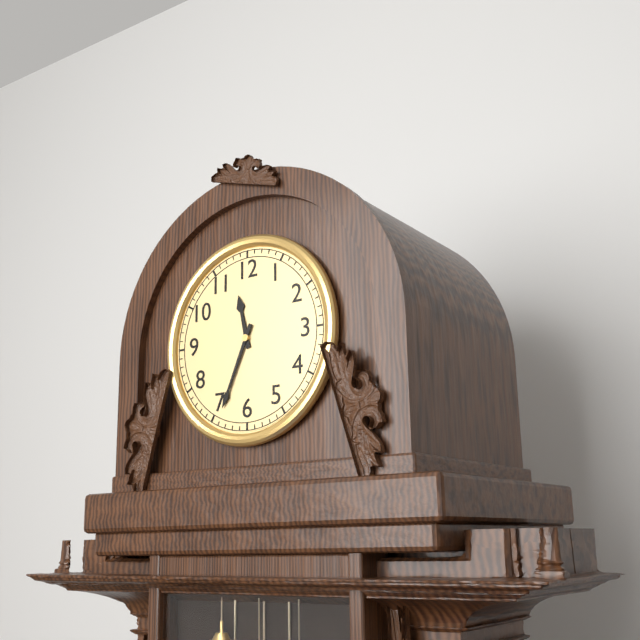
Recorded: 11 h 34 min
